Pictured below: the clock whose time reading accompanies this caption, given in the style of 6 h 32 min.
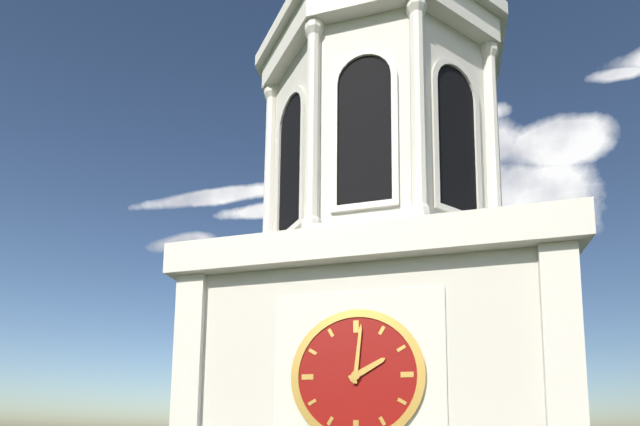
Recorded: 2 h 01 min
